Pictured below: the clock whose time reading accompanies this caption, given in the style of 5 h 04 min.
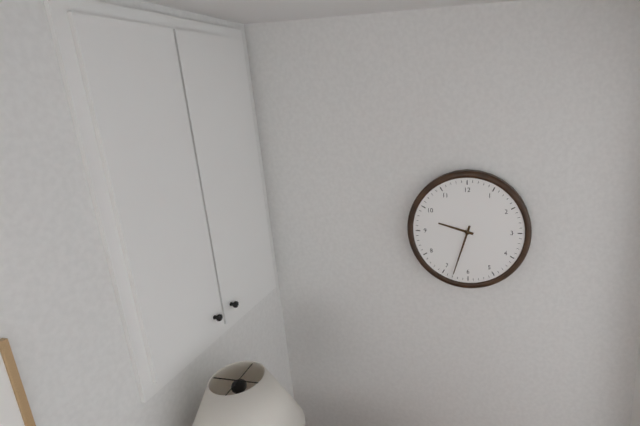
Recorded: 9 h 33 min
